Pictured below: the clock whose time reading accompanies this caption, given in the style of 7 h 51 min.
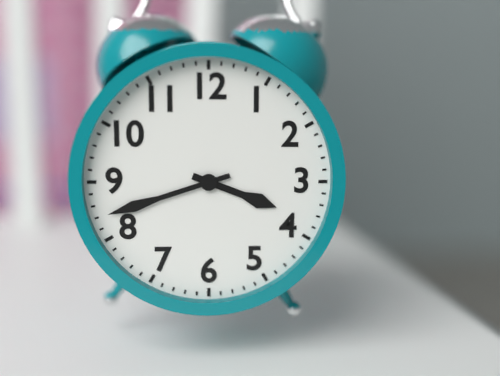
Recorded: 3 h 42 min
